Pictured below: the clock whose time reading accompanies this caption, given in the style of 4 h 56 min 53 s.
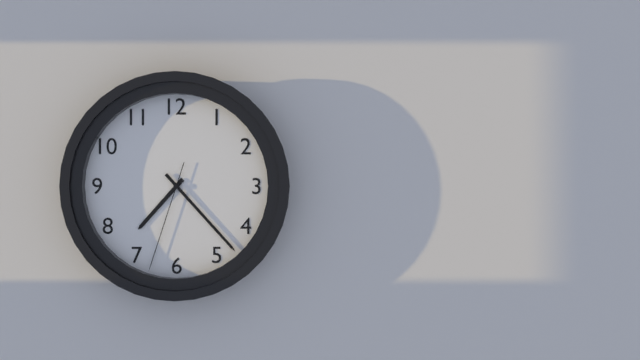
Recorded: 7 h 23 min 33 s
